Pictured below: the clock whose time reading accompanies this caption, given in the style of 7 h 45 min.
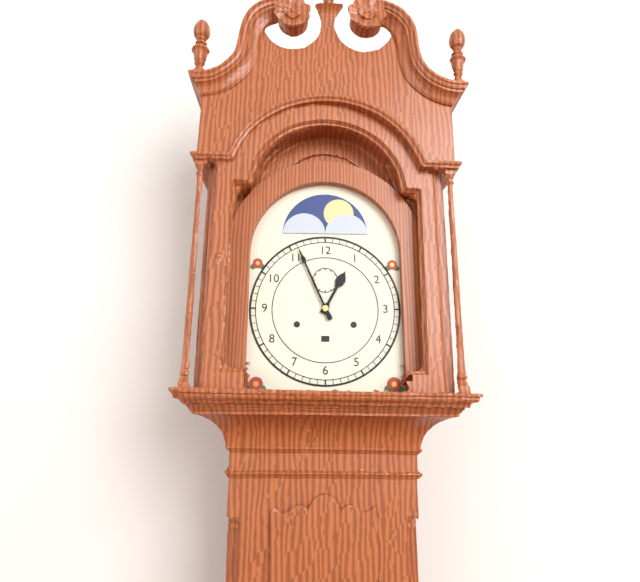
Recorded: 12 h 56 min
